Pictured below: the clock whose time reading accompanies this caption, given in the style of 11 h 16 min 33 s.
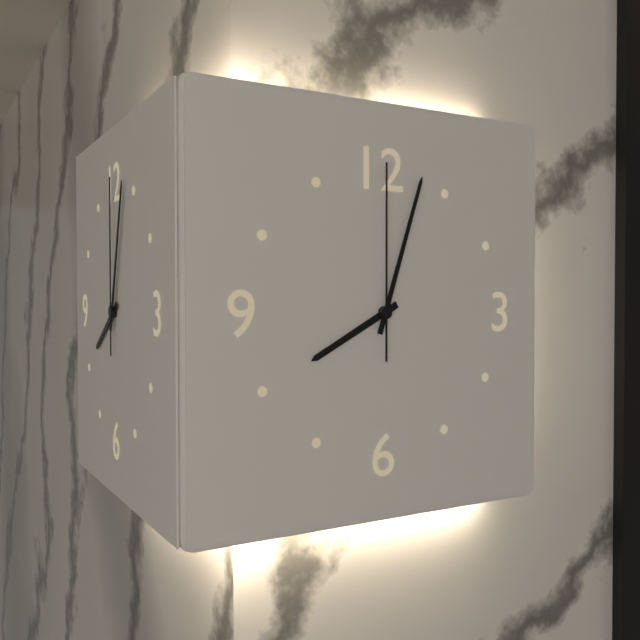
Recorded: 8 h 03 min 00 s
